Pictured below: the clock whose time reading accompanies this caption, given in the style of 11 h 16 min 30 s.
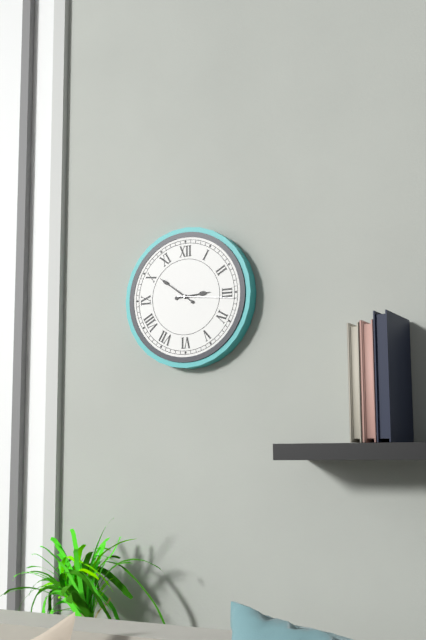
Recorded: 2 h 51 min 16 s
